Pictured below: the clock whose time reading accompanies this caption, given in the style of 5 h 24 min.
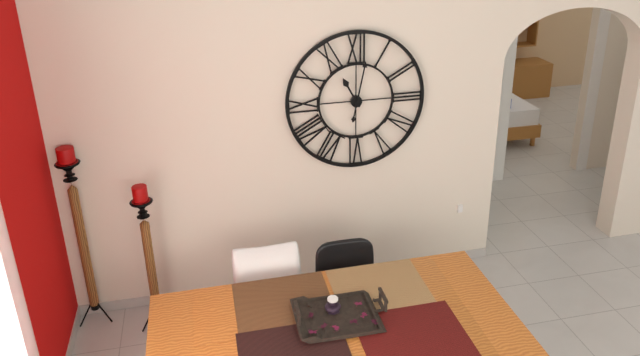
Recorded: 11 h 02 min
